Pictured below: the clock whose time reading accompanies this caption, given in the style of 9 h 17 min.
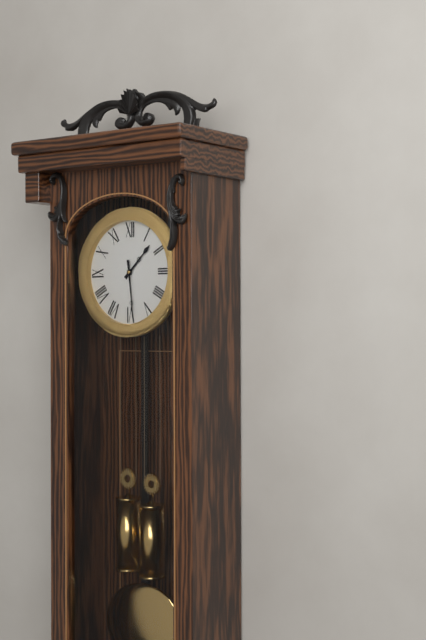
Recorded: 1 h 29 min
